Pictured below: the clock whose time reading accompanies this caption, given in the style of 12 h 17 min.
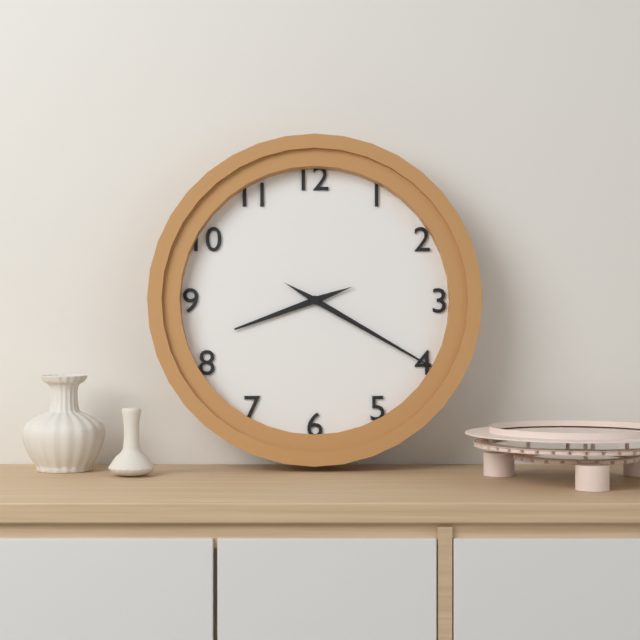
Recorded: 8 h 20 min
